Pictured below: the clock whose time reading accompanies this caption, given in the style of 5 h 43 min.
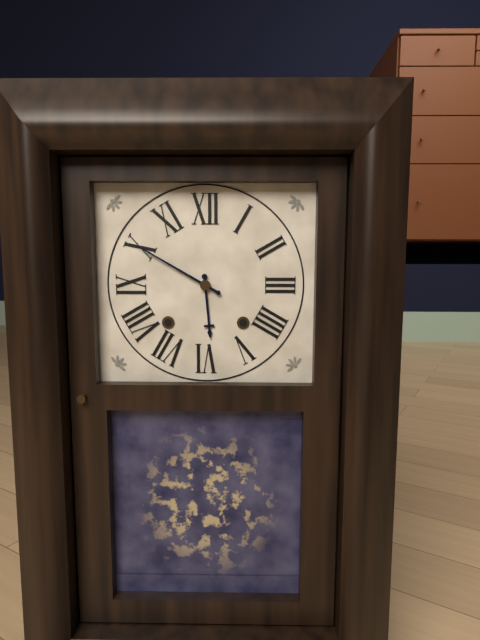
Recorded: 5 h 50 min
